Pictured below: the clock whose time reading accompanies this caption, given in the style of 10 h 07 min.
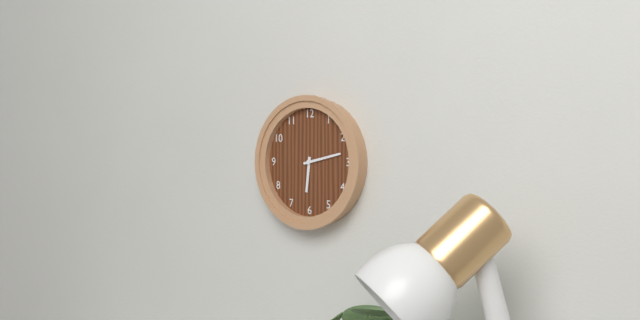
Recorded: 6 h 13 min
